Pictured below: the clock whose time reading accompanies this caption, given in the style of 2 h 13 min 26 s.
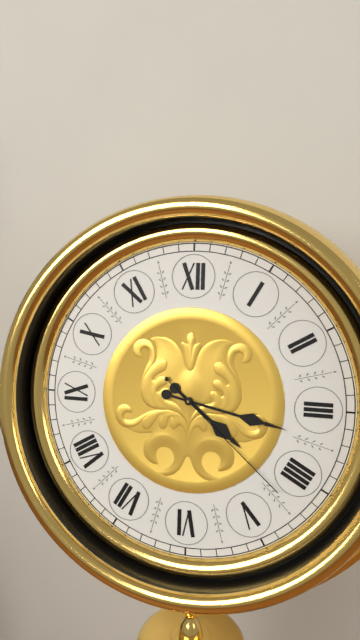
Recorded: 4 h 17 min 22 s
